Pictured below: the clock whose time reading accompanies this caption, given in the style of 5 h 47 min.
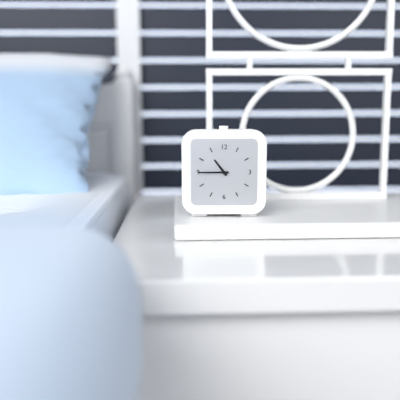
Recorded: 10 h 45 min
